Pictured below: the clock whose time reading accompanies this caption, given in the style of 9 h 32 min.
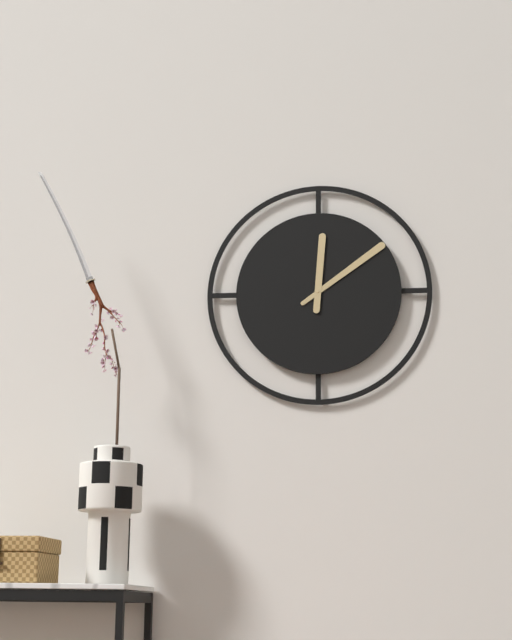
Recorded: 12 h 09 min
